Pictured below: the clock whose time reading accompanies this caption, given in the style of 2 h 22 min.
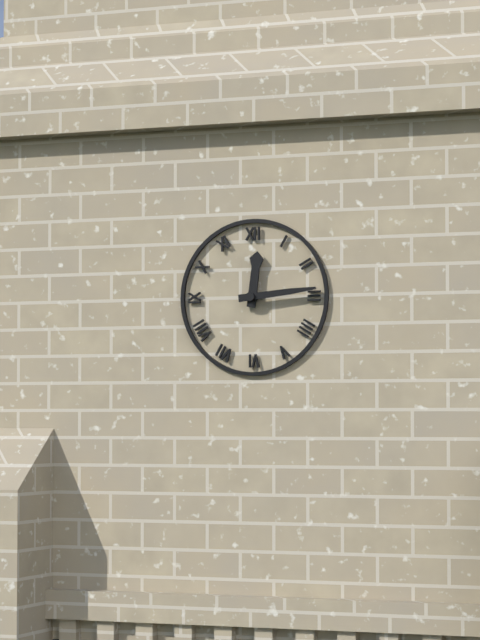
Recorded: 12 h 14 min
